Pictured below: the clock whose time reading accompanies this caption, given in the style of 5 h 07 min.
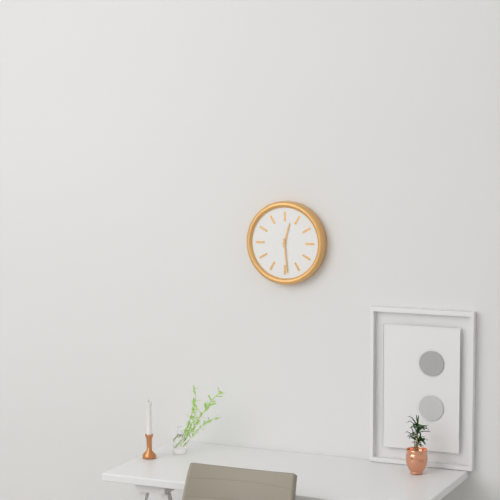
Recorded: 12 h 29 min
